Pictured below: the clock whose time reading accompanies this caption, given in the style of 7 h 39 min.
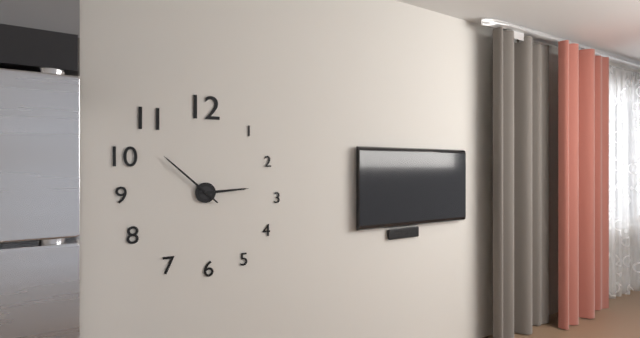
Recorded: 2 h 52 min
